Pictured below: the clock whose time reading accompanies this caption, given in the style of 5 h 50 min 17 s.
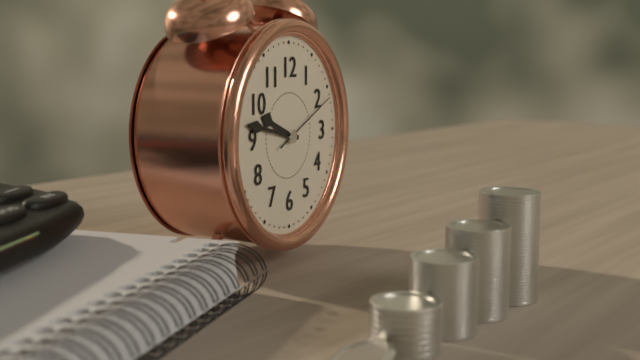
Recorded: 9 h 47 min 11 s
